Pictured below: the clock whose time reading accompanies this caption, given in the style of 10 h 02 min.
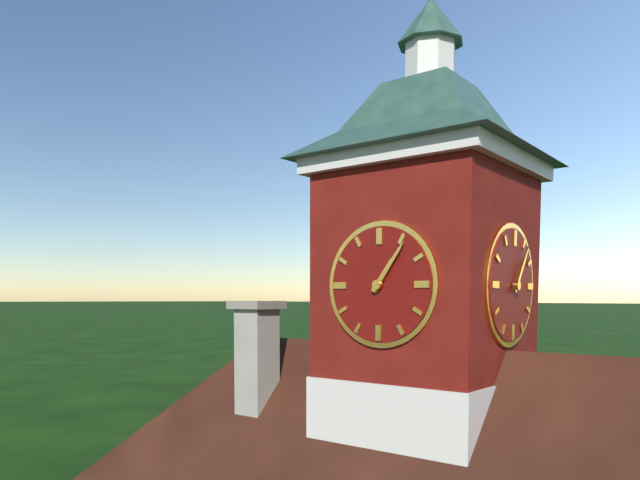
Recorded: 1 h 06 min
